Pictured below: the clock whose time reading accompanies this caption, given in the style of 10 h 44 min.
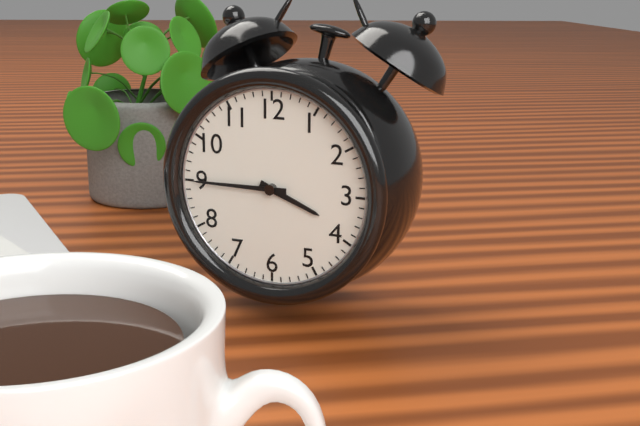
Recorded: 3 h 45 min
